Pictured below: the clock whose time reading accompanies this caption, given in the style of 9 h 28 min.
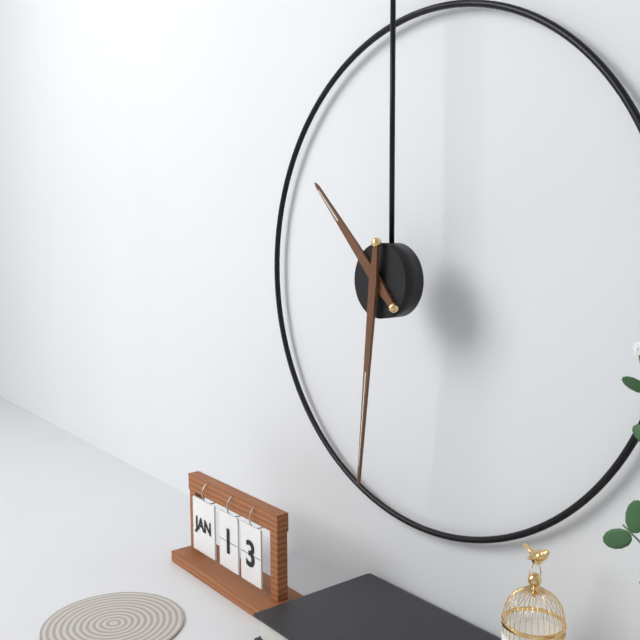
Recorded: 10 h 31 min
